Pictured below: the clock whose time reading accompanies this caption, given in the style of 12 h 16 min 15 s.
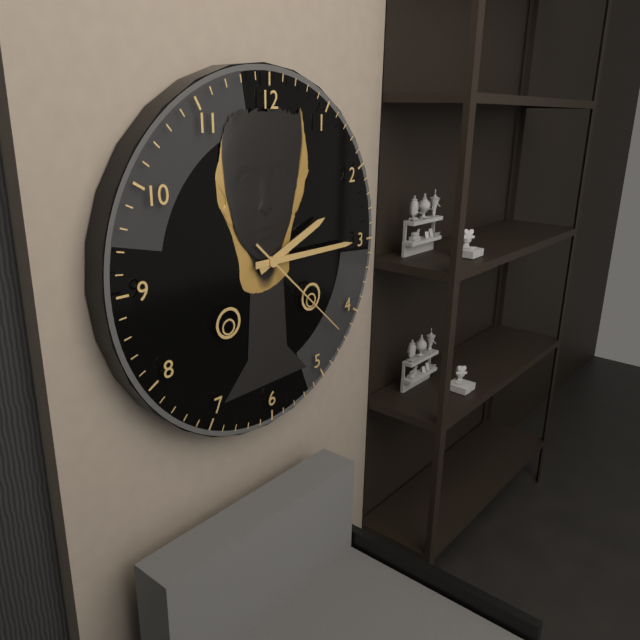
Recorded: 2 h 15 min 22 s
